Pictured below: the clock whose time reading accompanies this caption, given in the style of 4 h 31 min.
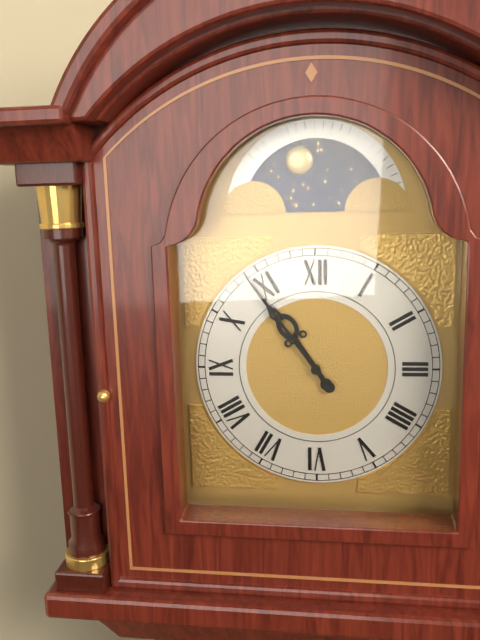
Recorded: 10 h 54 min
